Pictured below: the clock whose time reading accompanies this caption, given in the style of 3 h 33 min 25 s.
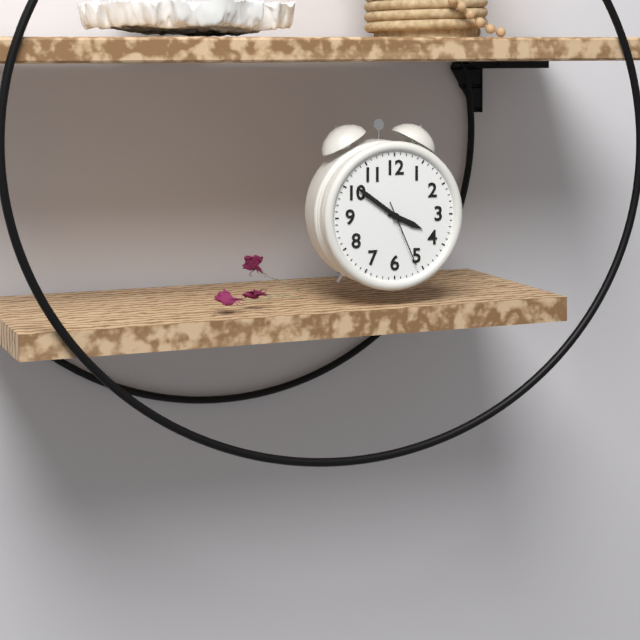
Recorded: 3 h 51 min 26 s
